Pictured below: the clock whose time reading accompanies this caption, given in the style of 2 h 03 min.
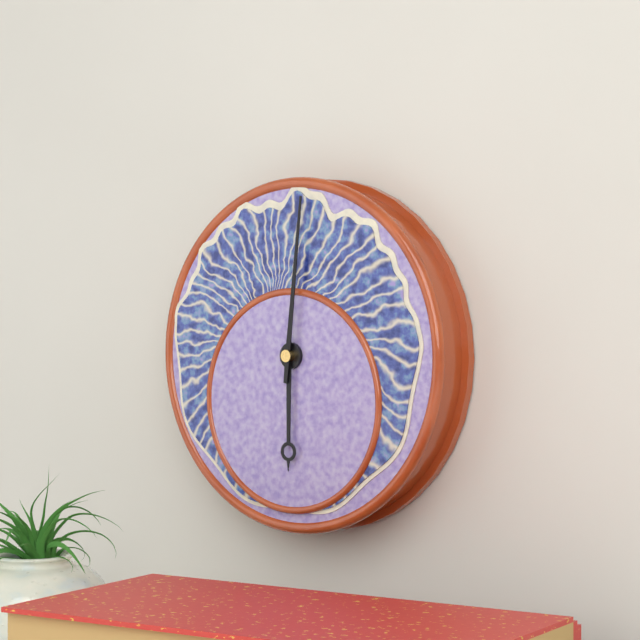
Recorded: 6 h 01 min
